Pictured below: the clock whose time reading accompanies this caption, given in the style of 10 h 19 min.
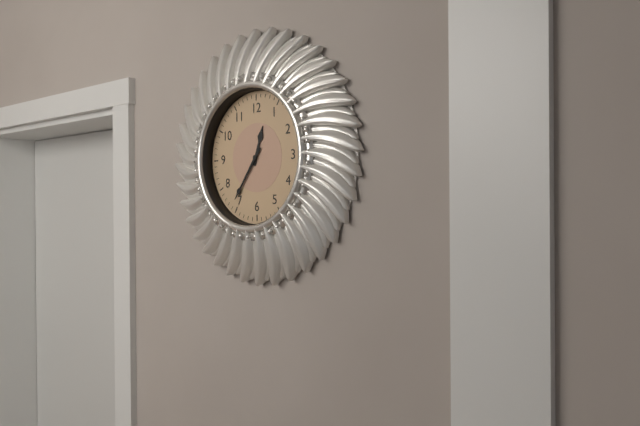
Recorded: 12 h 36 min
